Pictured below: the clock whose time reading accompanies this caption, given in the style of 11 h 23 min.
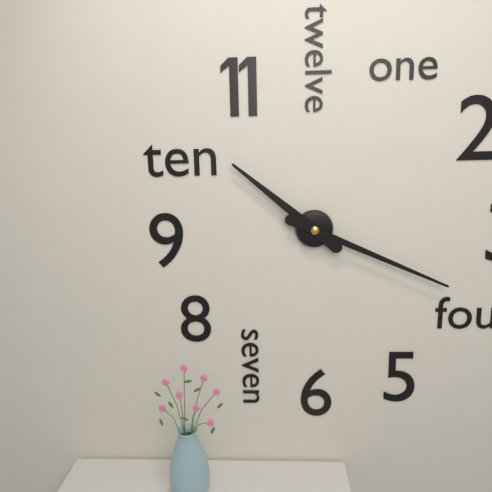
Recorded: 10 h 19 min
